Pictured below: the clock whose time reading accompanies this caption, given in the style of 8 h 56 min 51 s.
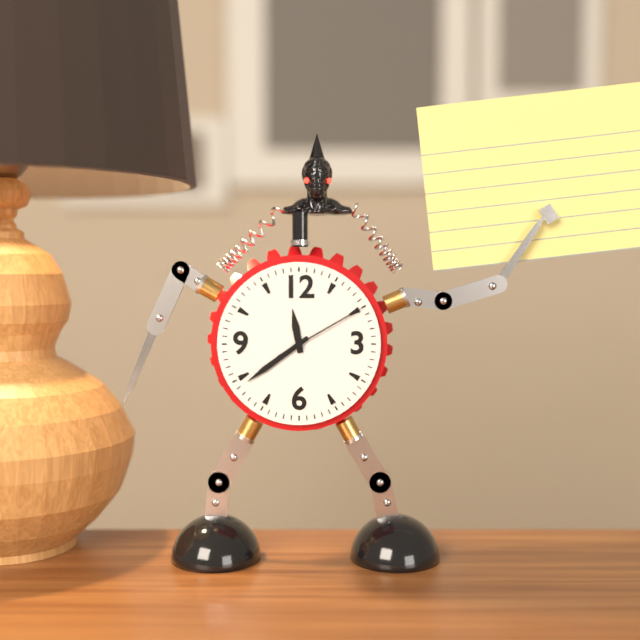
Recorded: 11 h 39 min 10 s
